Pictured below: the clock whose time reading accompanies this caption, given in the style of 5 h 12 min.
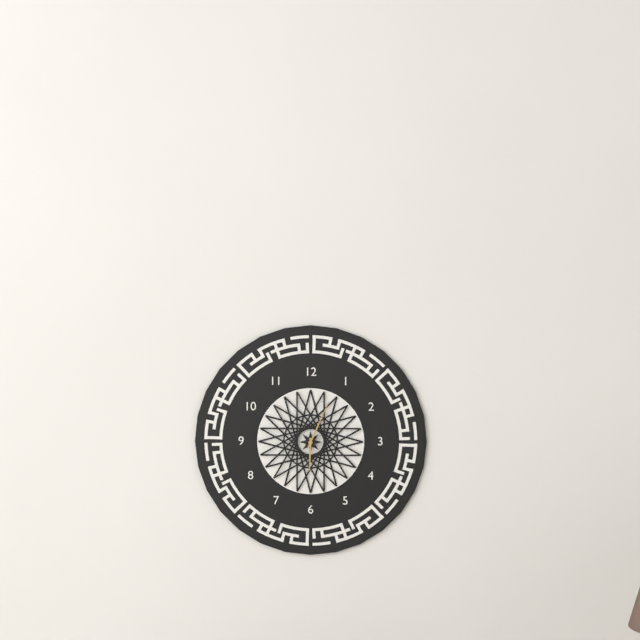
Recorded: 6 h 04 min
